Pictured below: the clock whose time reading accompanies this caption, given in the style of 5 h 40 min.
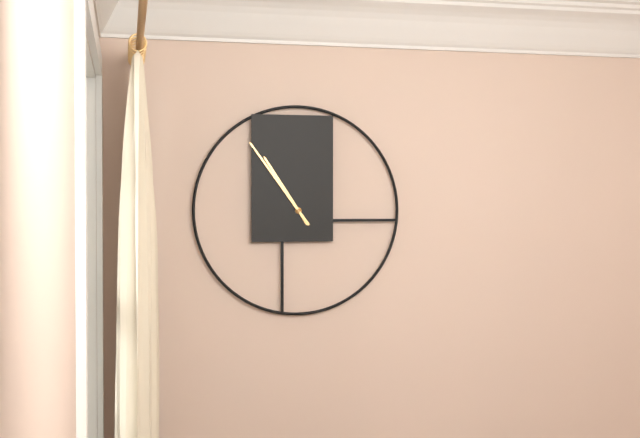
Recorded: 10 h 54 min
